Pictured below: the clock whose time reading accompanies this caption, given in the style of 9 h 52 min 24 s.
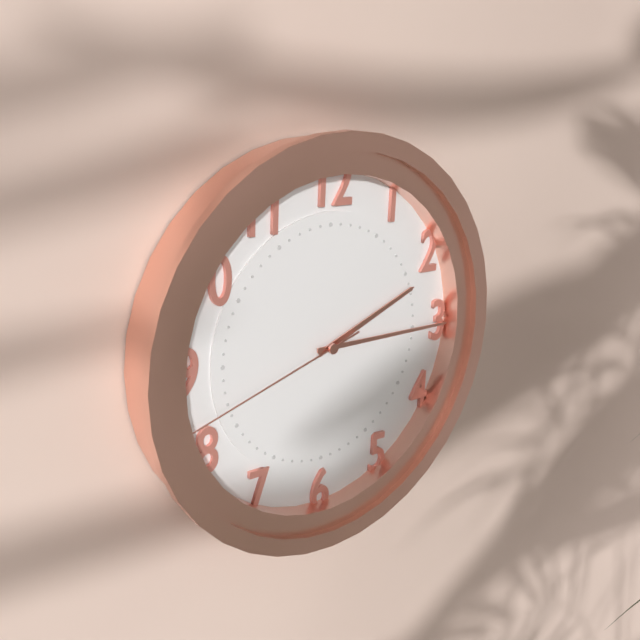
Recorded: 2 h 15 min 42 s
